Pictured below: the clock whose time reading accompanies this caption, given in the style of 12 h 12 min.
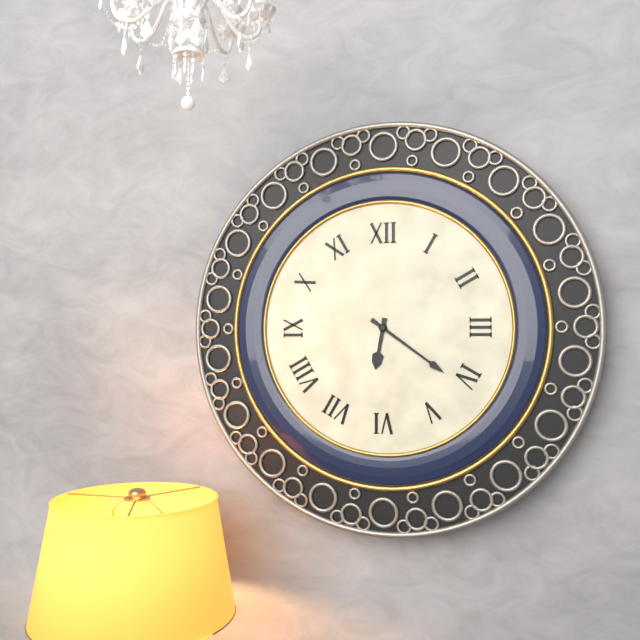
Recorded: 6 h 21 min
